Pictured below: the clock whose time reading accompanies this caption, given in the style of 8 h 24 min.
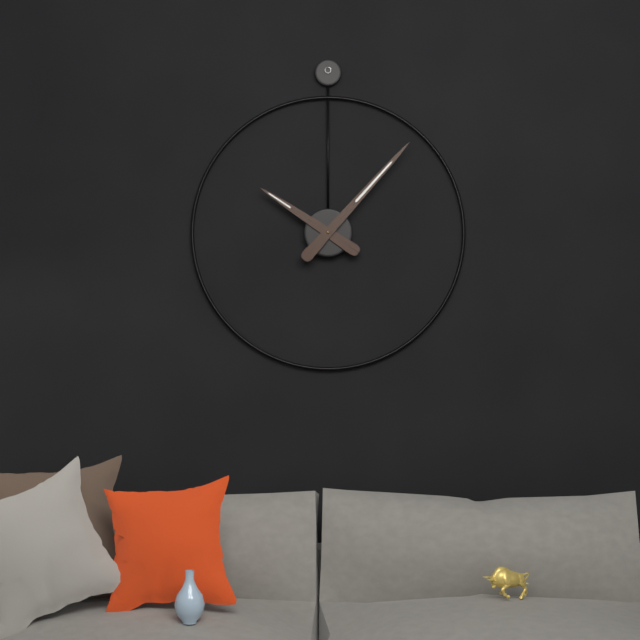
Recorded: 10 h 07 min
